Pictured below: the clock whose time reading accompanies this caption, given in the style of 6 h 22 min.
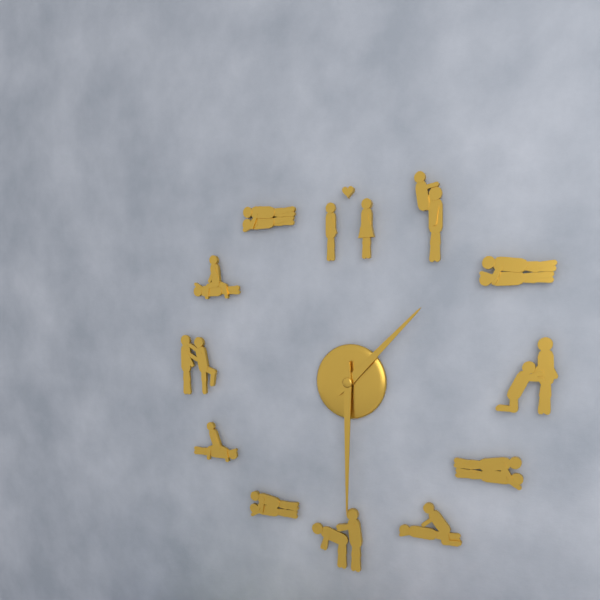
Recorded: 1 h 30 min
